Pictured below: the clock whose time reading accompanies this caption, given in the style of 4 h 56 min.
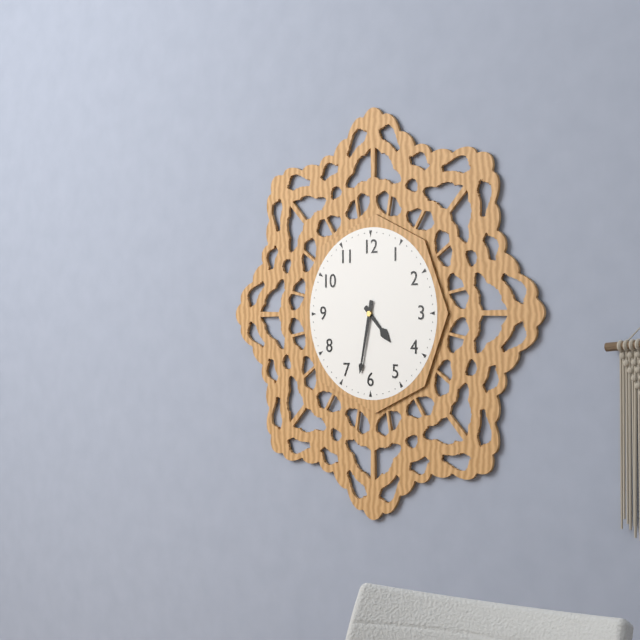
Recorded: 4 h 32 min
